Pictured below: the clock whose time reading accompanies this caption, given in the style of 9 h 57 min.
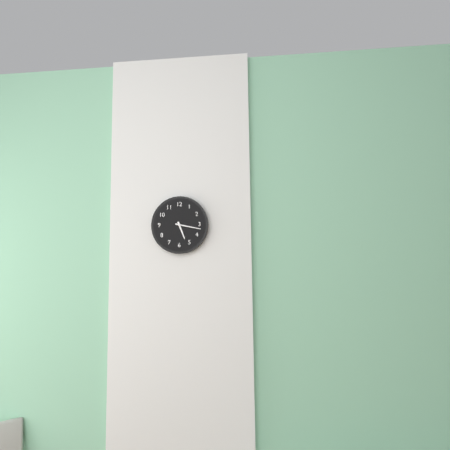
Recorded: 5 h 17 min
